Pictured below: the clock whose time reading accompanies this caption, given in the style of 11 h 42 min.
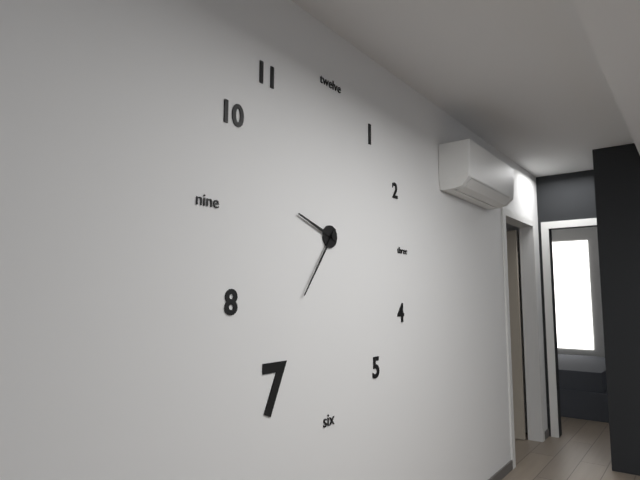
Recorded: 9 h 36 min
